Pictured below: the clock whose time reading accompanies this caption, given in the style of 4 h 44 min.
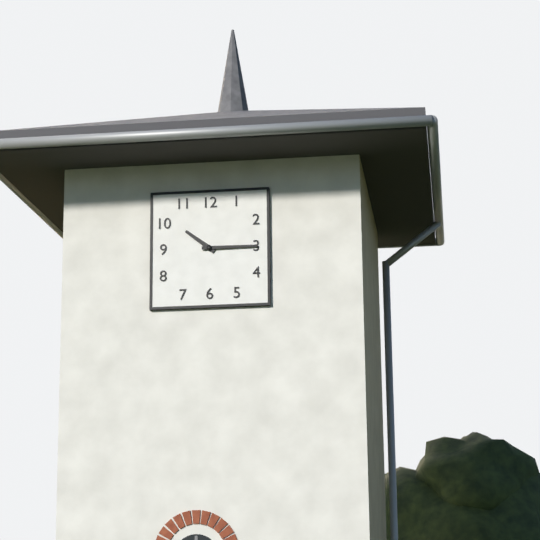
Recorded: 10 h 15 min
